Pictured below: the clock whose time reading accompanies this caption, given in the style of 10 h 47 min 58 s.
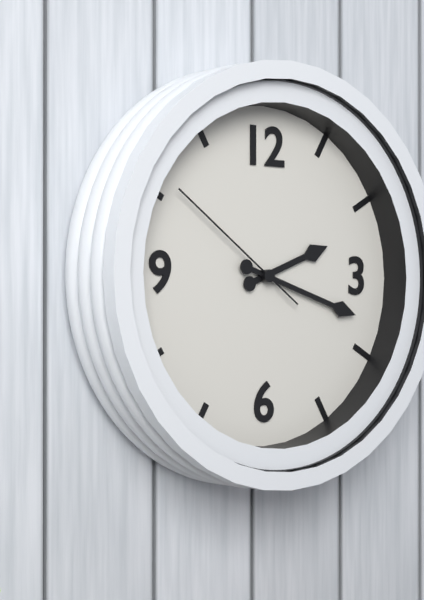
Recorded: 2 h 18 min 51 s
